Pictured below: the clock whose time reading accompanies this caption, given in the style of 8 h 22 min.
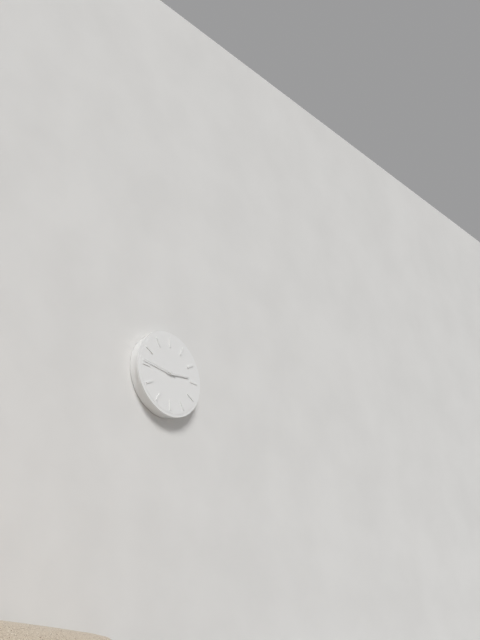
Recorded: 2 h 46 min
